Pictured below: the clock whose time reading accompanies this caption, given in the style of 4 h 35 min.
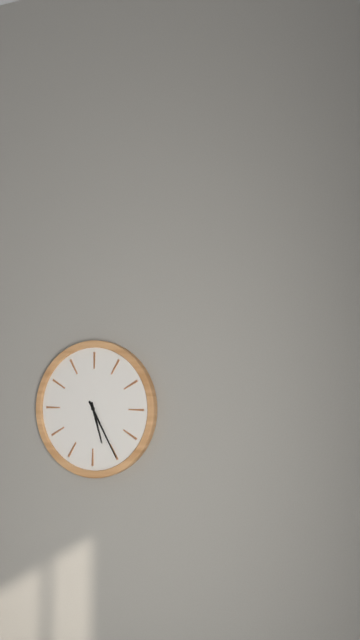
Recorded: 5 h 25 min
